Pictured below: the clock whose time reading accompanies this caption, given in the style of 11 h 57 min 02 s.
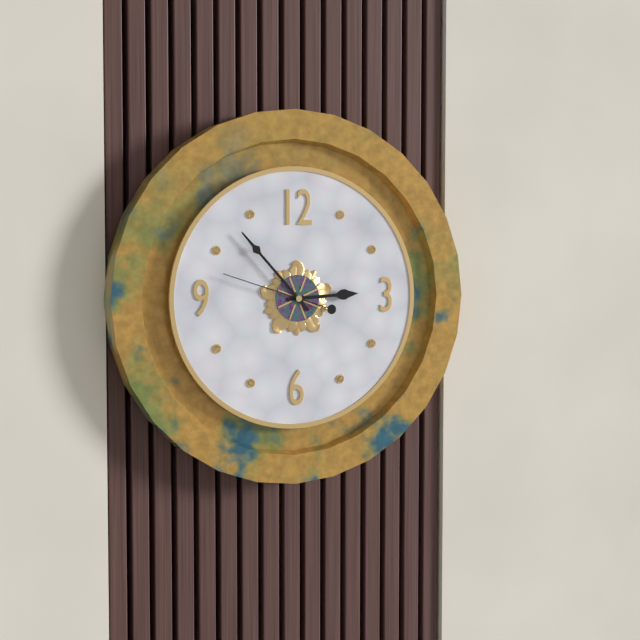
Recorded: 2 h 53 min 48 s
